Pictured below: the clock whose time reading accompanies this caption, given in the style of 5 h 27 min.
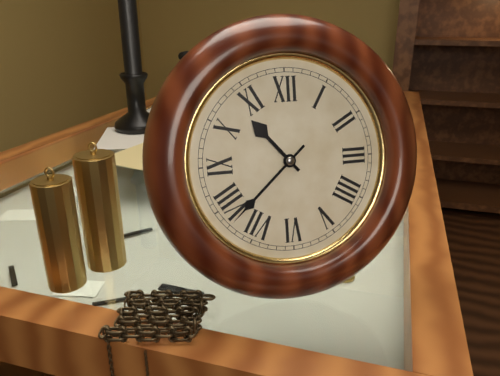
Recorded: 10 h 38 min
